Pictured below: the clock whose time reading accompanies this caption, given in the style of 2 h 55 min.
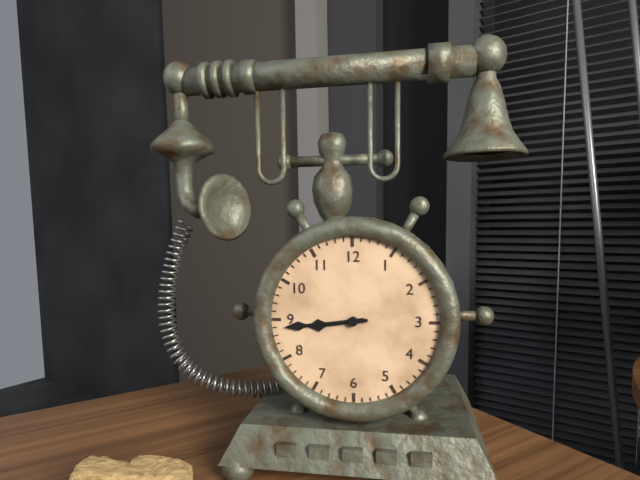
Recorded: 8 h 44 min
